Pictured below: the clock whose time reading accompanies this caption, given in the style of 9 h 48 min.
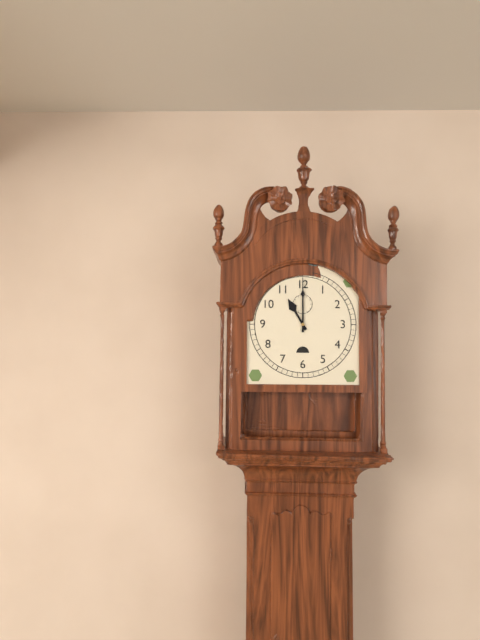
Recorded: 11 h 00 min
